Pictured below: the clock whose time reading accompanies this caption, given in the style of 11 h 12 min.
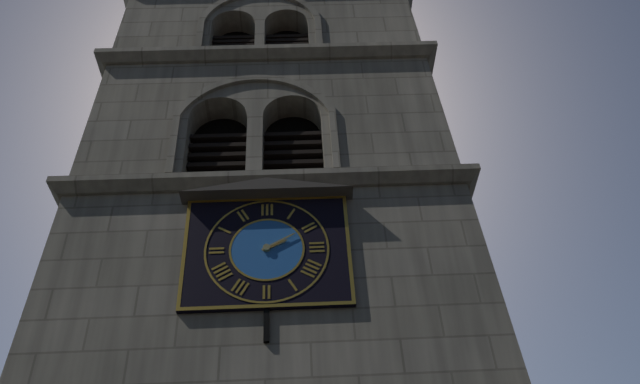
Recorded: 2 h 10 min
